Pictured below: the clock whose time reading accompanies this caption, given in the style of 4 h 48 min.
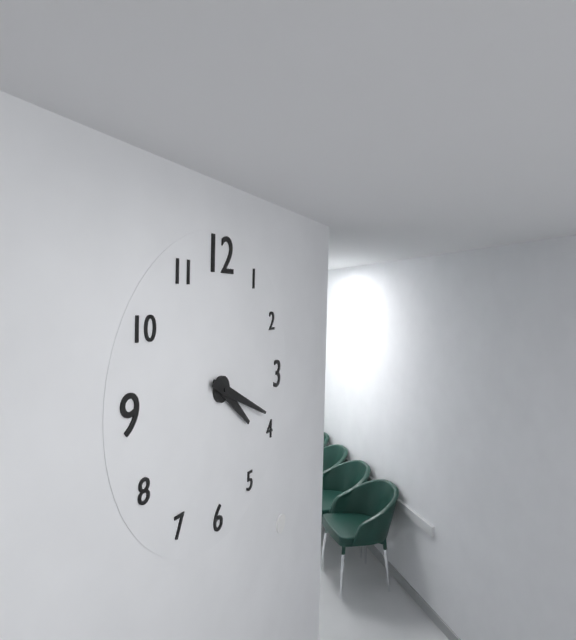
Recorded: 4 h 19 min
